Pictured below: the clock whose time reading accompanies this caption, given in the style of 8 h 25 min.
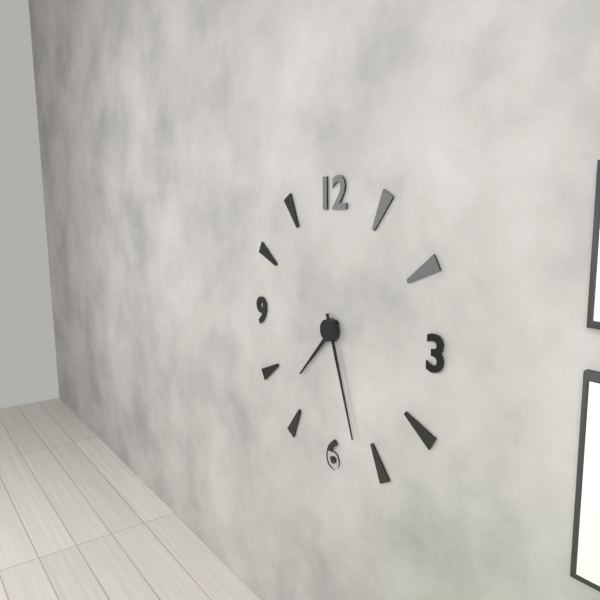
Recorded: 7 h 27 min
